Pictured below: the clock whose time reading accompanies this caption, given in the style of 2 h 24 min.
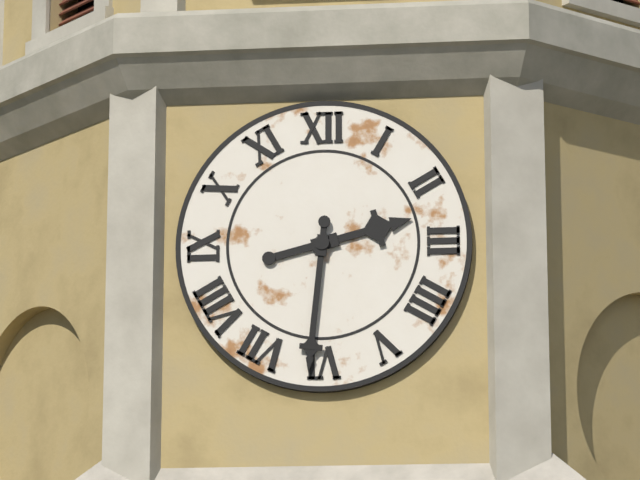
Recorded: 2 h 31 min
